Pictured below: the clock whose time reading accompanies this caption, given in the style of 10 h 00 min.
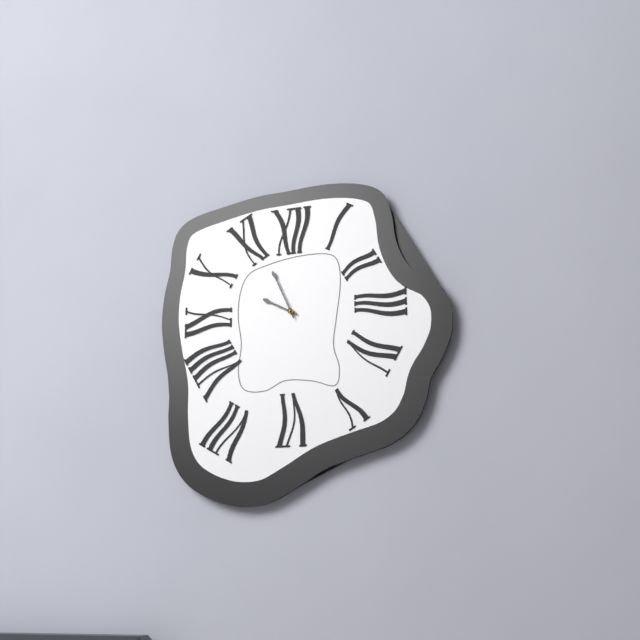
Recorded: 9 h 56 min
